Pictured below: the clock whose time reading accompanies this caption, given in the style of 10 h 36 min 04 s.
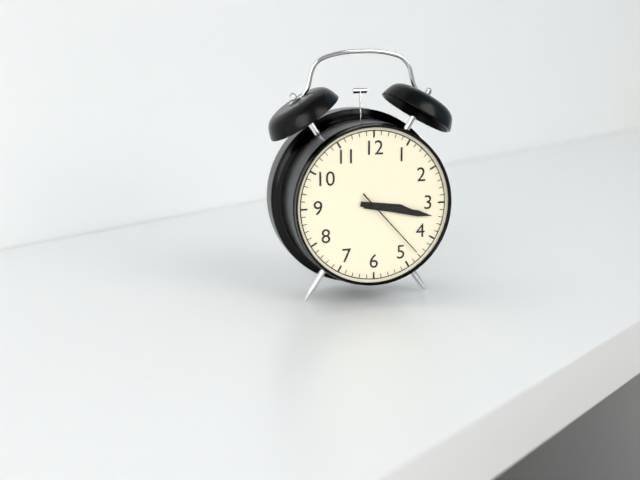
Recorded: 3 h 17 min 23 s
